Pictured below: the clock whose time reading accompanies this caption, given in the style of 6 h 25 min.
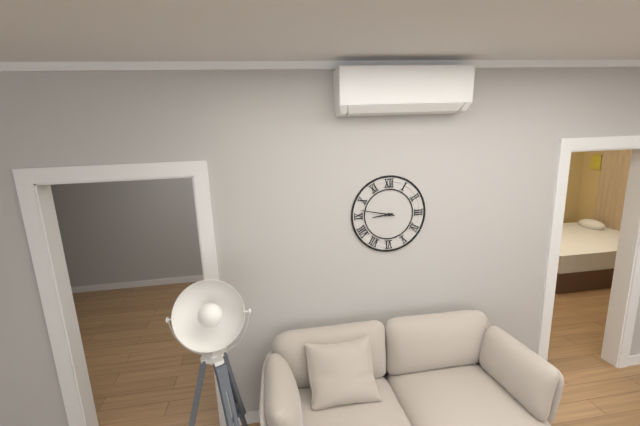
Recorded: 8 h 47 min
